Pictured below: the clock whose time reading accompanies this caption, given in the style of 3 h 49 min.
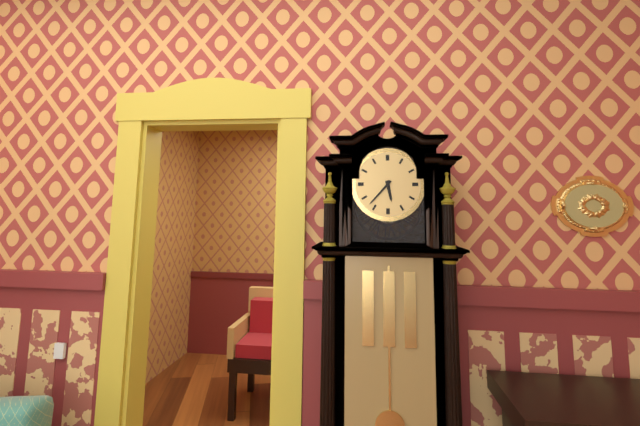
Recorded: 5 h 37 min
